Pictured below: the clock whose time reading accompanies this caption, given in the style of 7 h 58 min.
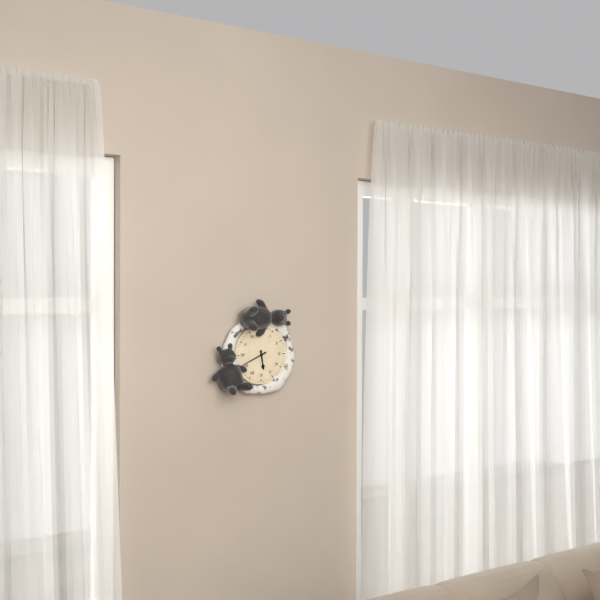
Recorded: 5 h 41 min
